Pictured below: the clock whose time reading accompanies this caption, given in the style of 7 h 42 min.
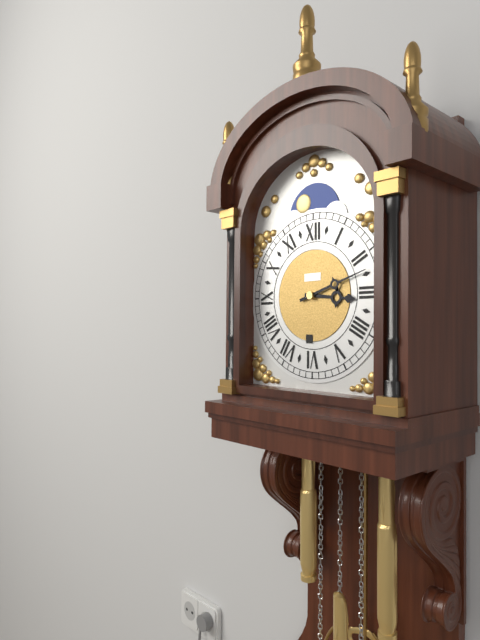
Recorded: 3 h 12 min
